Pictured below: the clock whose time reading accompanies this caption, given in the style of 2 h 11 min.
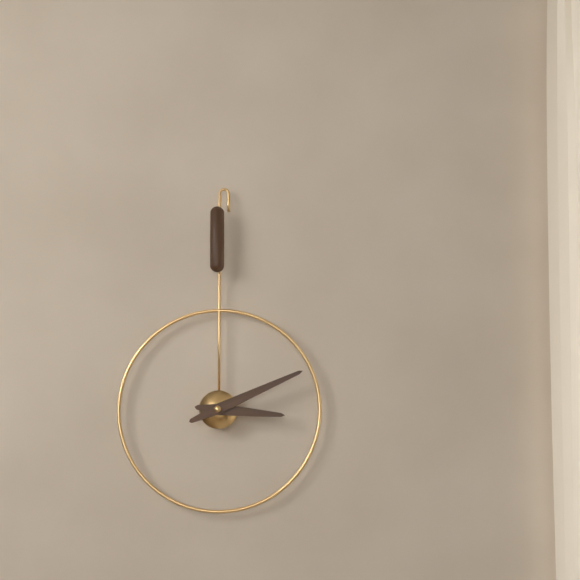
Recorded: 3 h 11 min
